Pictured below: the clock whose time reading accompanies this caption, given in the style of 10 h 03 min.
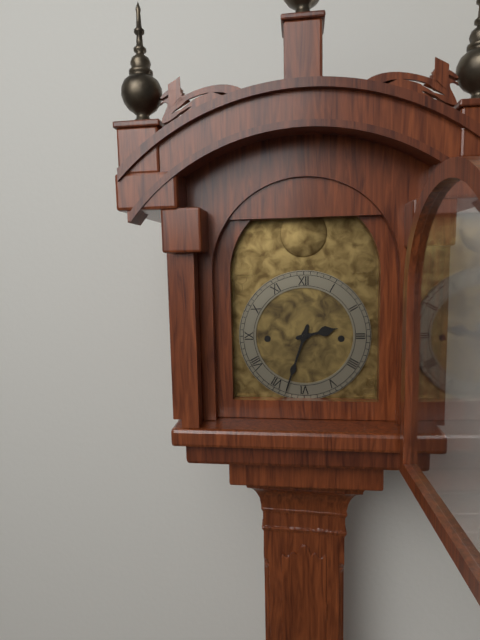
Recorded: 2 h 33 min
